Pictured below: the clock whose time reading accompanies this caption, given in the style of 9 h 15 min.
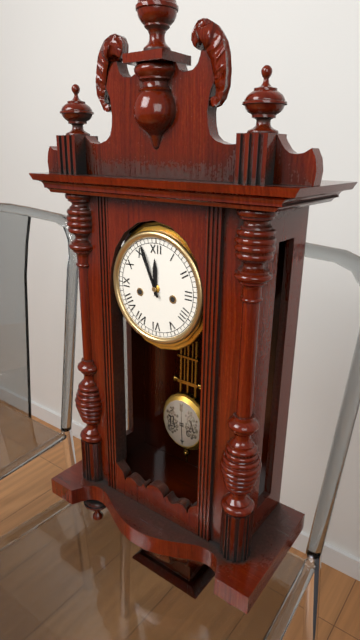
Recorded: 11 h 56 min
